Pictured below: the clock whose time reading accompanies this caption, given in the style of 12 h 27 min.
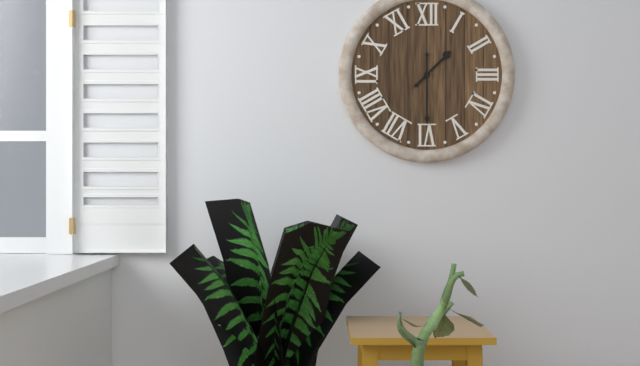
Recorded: 1 h 30 min
